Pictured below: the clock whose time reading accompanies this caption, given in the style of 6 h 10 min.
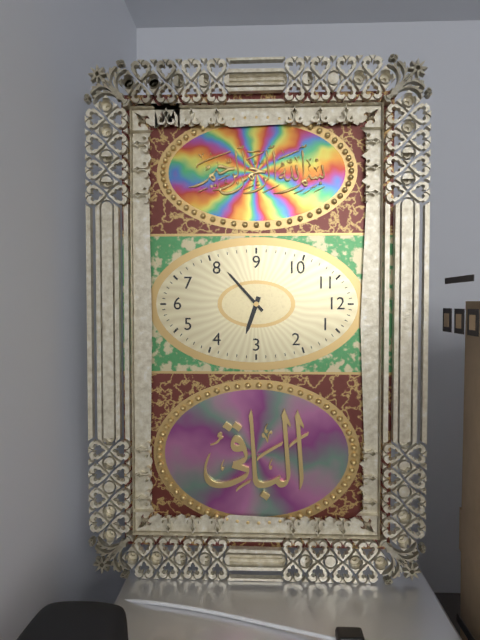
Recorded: 3 h 38 min
